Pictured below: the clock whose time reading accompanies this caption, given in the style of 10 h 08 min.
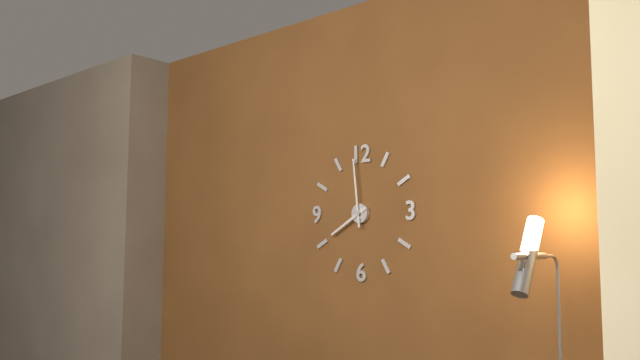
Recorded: 7 h 59 min
